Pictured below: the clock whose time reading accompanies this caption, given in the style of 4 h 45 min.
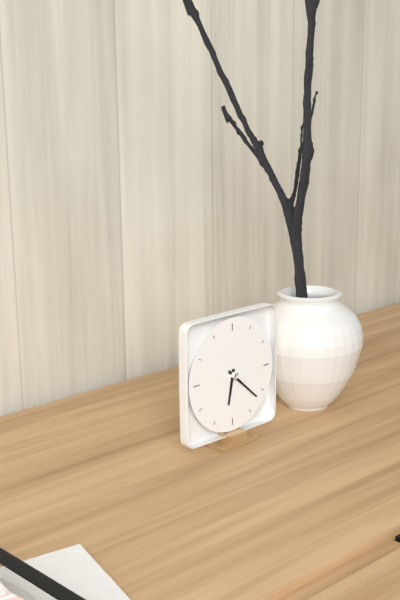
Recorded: 6 h 22 min
